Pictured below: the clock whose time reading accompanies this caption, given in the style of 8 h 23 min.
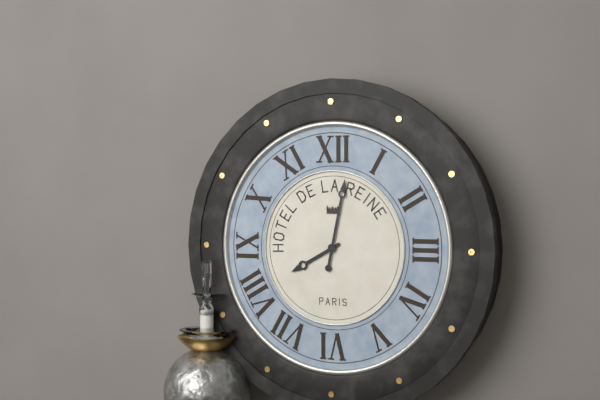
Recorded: 8 h 02 min
